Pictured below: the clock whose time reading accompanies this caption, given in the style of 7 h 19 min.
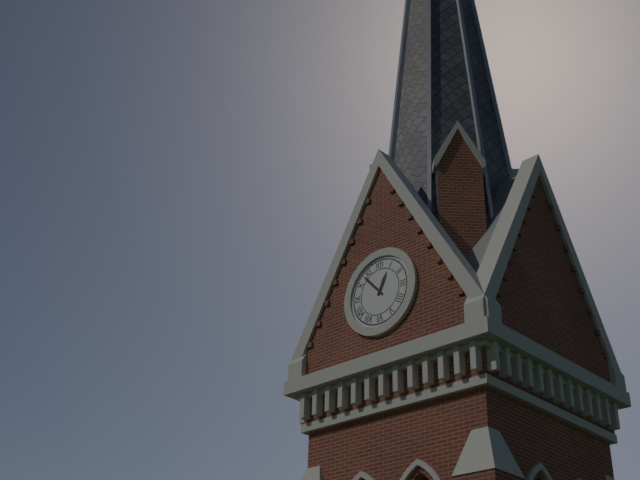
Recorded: 12 h 53 min
